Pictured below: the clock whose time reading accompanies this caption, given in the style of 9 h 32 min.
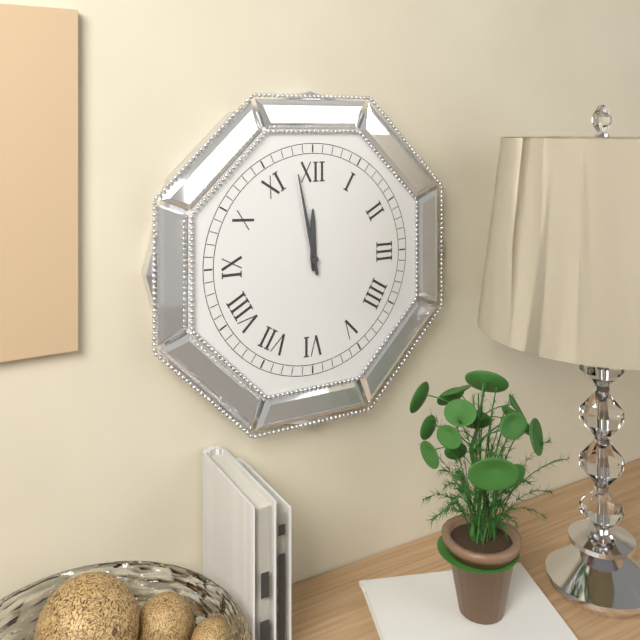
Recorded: 11 h 58 min
